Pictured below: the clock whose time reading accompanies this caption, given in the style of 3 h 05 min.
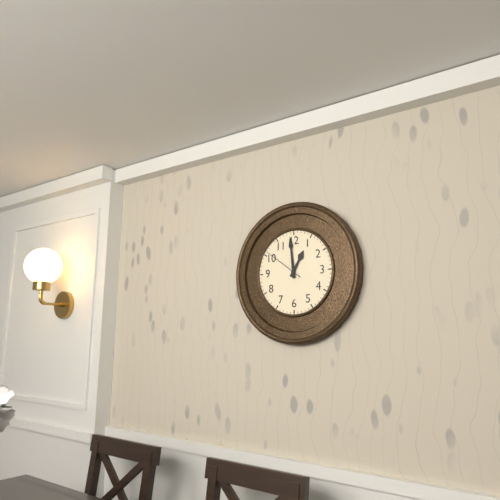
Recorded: 12 h 59 min
